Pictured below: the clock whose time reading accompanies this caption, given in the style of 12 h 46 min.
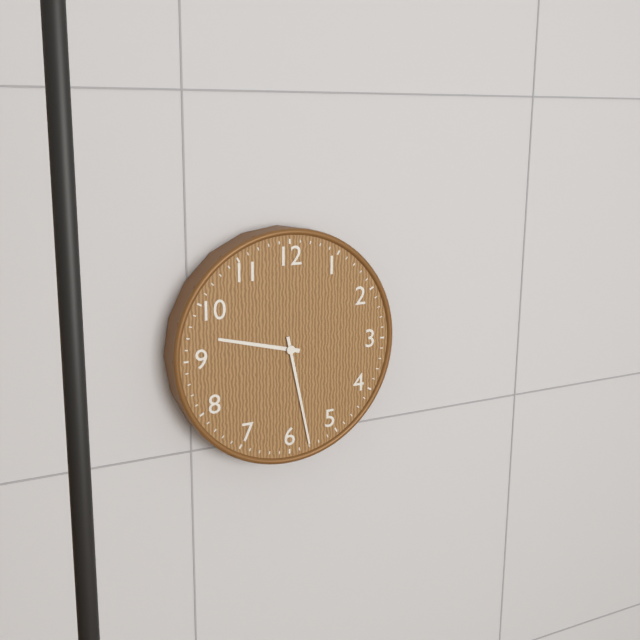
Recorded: 9 h 28 min
